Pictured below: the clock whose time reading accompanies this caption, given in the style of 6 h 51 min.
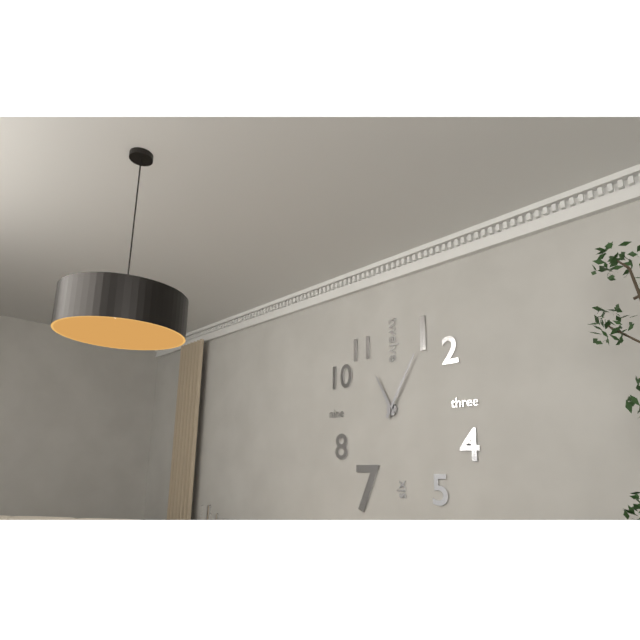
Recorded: 11 h 05 min
